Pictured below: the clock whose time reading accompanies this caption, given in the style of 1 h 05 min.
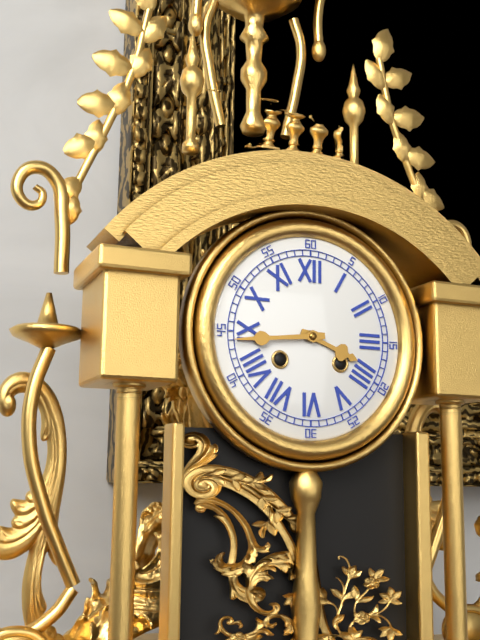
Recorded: 3 h 44 min
